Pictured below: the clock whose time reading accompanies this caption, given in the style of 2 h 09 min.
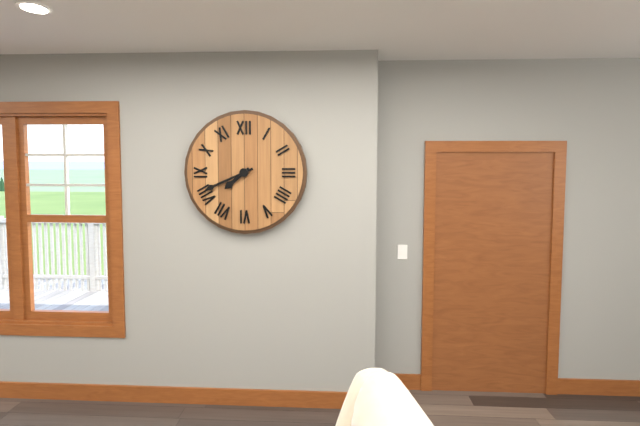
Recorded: 7 h 41 min
